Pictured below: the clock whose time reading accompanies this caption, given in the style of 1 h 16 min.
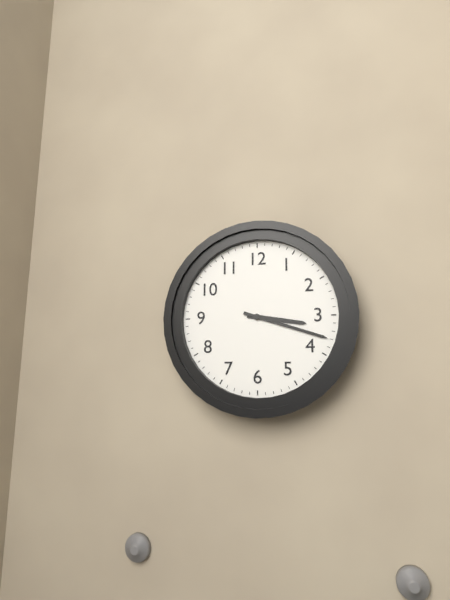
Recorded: 3 h 18 min
